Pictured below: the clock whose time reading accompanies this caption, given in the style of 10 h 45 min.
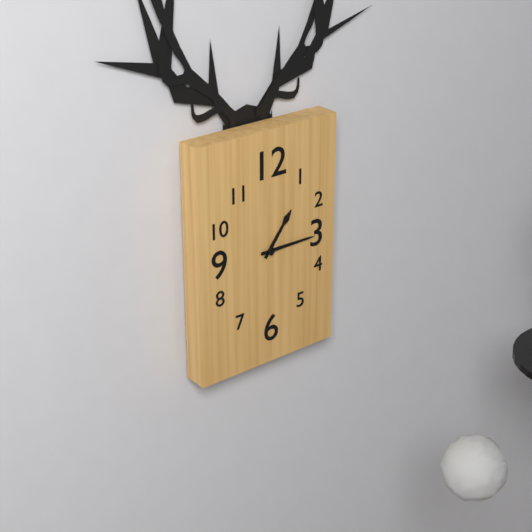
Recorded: 1 h 15 min
